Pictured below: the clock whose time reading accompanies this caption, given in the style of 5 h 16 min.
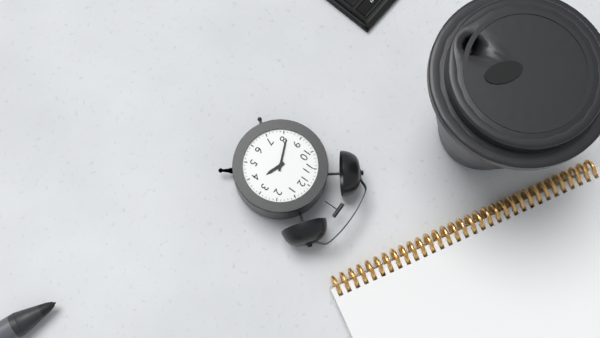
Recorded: 3 h 41 min
